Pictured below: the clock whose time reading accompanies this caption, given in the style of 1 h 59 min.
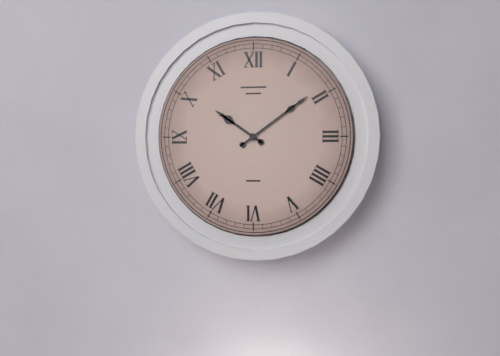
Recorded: 10 h 09 min
